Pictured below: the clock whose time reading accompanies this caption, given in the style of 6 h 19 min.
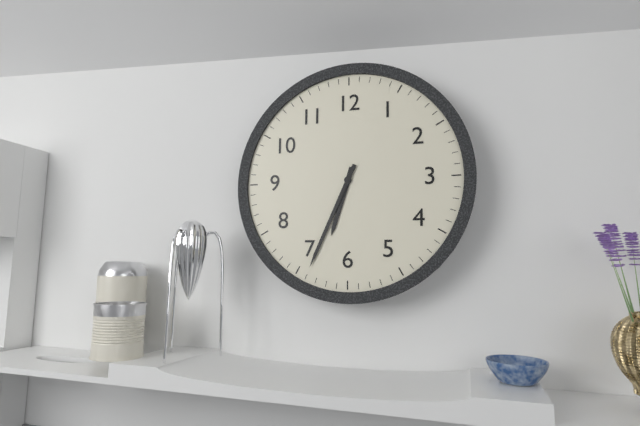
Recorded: 6 h 34 min
